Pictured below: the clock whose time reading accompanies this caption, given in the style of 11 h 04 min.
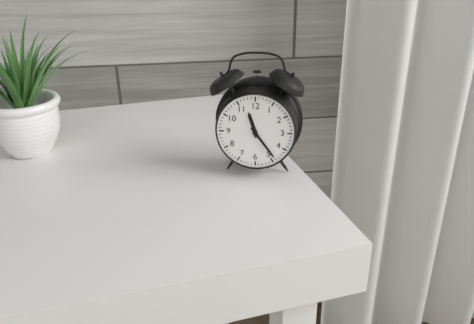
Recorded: 11 h 24 min
